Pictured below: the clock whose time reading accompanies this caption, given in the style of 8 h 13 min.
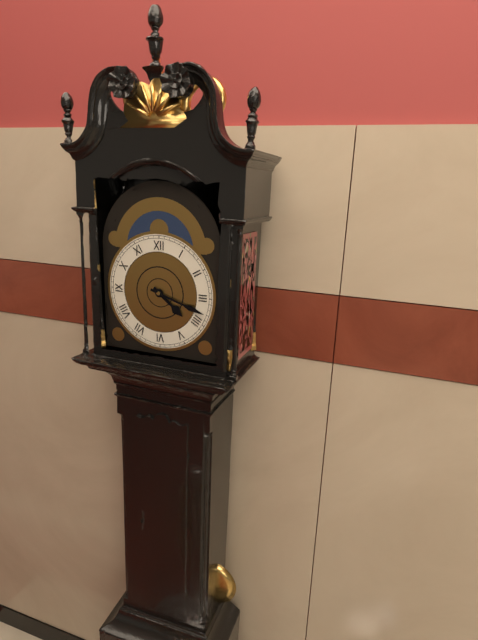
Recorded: 4 h 18 min
